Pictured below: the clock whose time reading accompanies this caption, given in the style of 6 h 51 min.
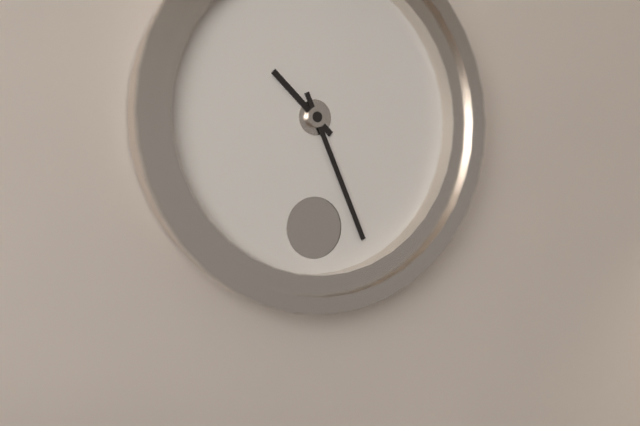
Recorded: 10 h 26 min
